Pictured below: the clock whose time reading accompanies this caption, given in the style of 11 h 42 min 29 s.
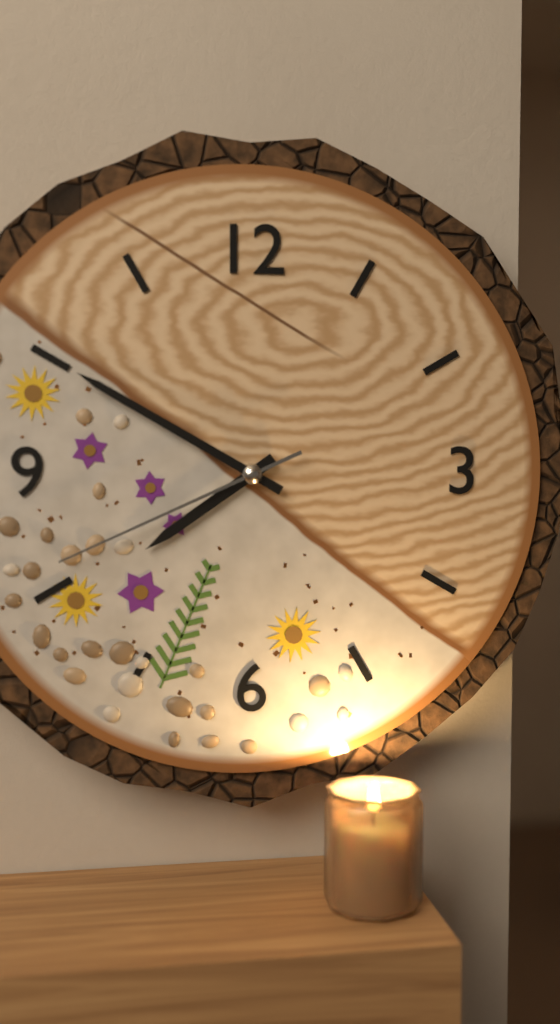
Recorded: 7 h 50 min 41 s
